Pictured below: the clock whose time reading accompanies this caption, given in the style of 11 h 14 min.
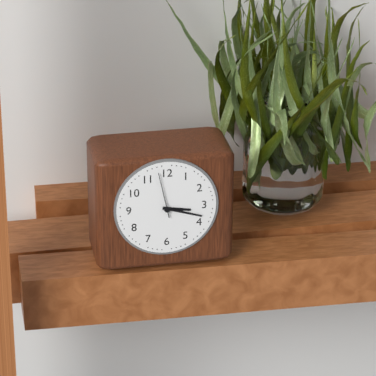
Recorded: 3 h 18 min
